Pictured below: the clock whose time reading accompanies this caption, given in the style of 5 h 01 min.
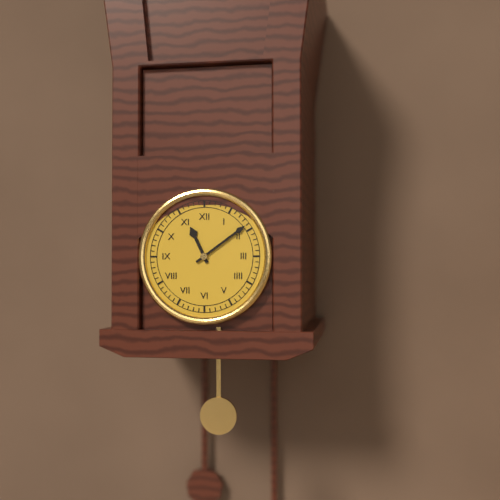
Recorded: 11 h 09 min
